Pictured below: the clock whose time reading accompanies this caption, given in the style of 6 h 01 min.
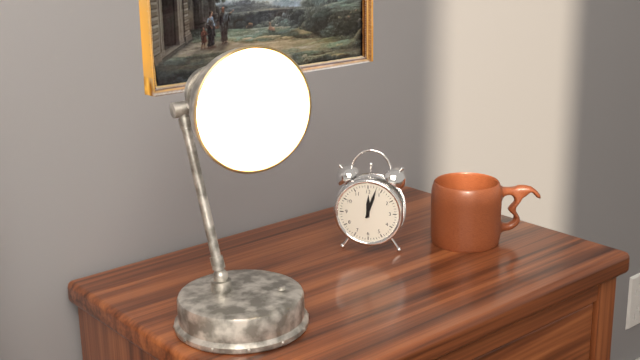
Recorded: 12 h 03 min
